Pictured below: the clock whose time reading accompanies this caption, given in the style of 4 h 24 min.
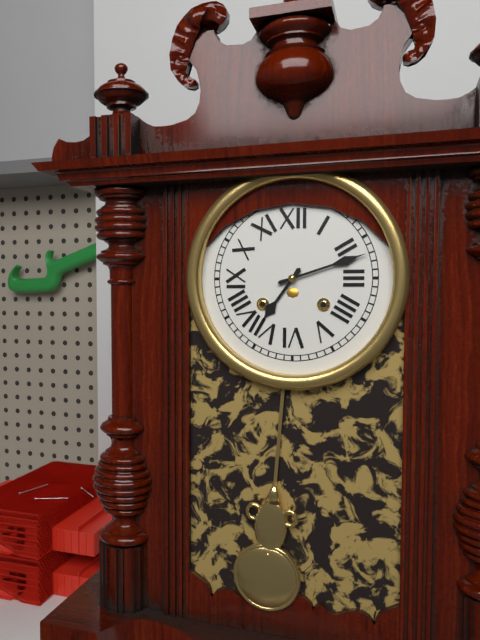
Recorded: 7 h 12 min
